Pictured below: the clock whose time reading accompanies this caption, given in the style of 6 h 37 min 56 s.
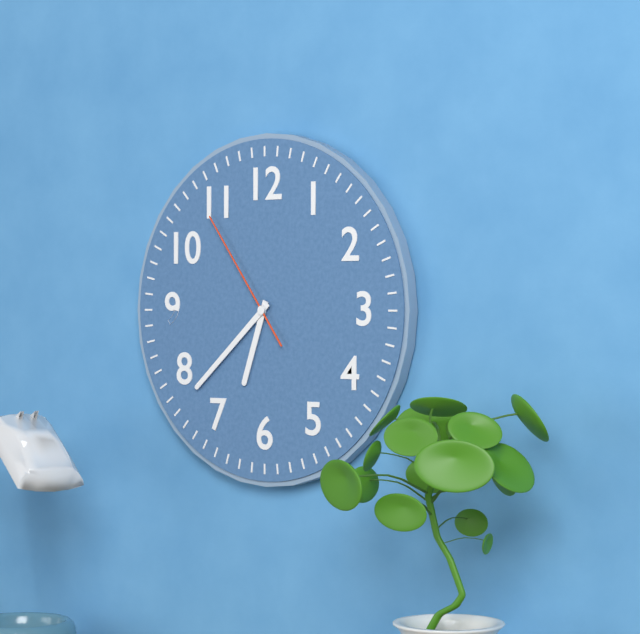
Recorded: 6 h 38 min 54 s
